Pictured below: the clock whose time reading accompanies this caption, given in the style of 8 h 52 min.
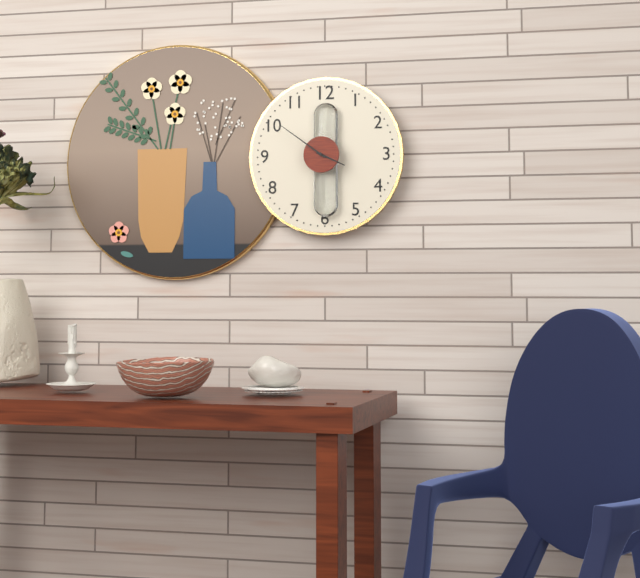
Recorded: 3 h 51 min
